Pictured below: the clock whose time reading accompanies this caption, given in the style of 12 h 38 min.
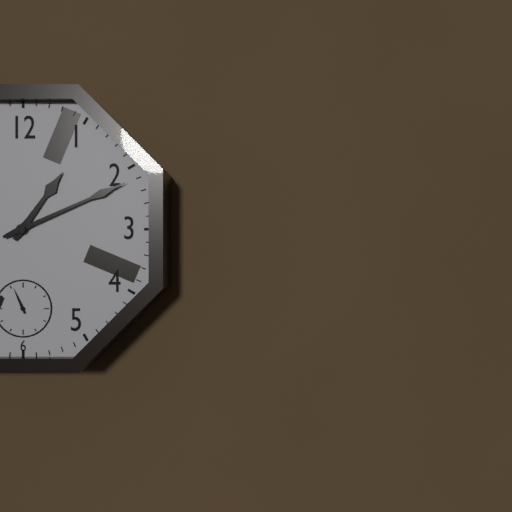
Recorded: 1 h 11 min
